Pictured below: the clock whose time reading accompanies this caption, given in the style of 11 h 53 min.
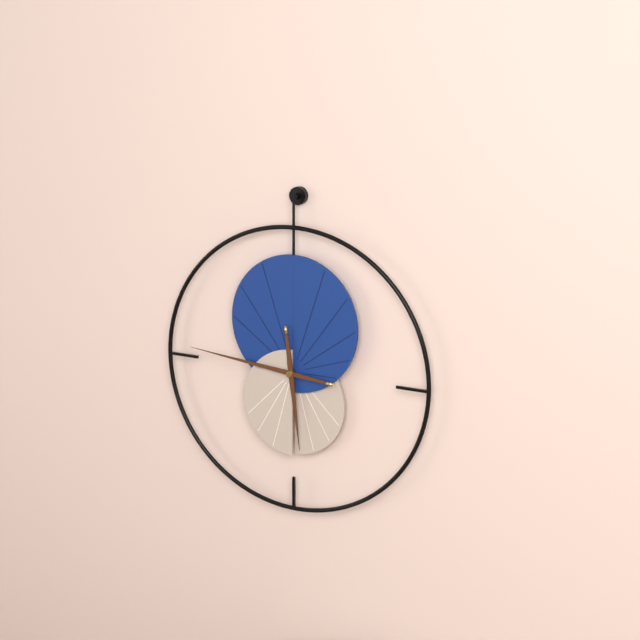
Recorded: 5 h 46 min
